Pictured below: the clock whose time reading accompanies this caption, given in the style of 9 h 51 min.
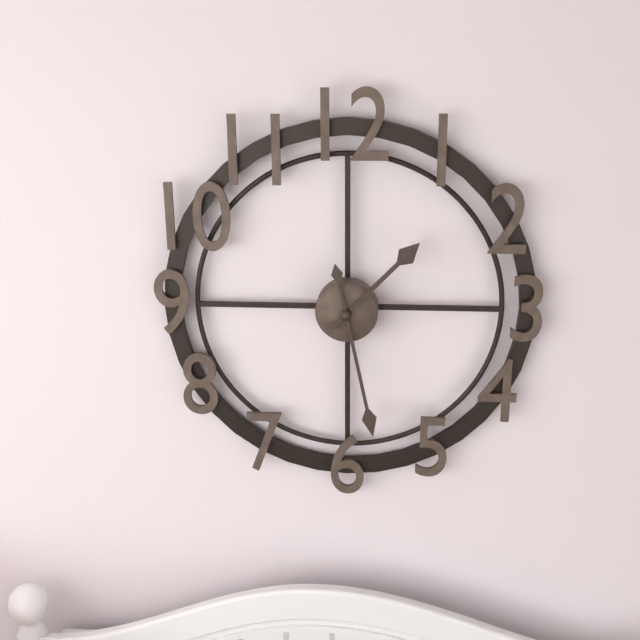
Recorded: 1 h 28 min
